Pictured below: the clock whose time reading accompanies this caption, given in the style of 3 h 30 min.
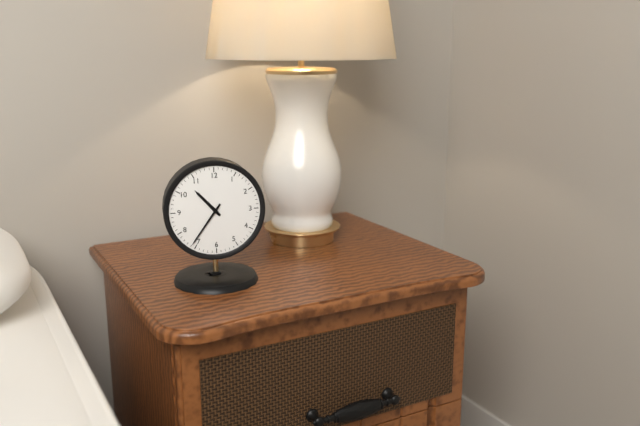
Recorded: 10 h 36 min
